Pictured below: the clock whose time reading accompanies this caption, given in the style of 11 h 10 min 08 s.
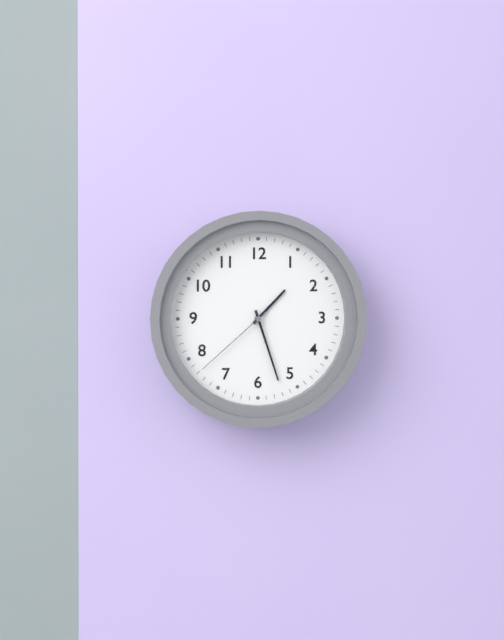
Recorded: 1 h 27 min 38 s
